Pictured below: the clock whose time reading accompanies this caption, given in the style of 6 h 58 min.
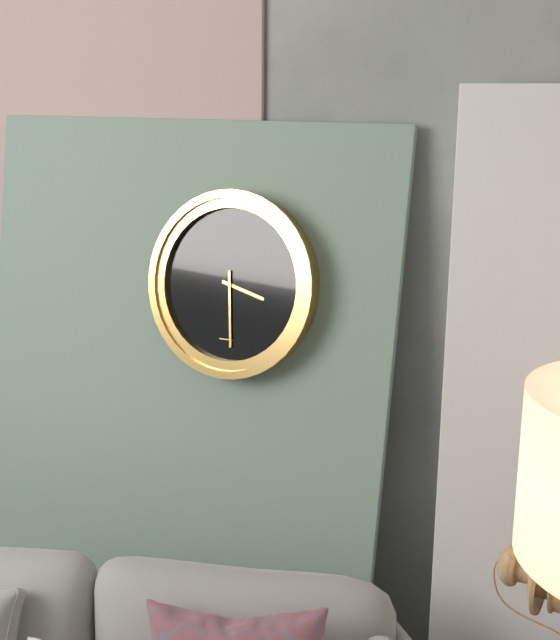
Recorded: 3 h 29 min
